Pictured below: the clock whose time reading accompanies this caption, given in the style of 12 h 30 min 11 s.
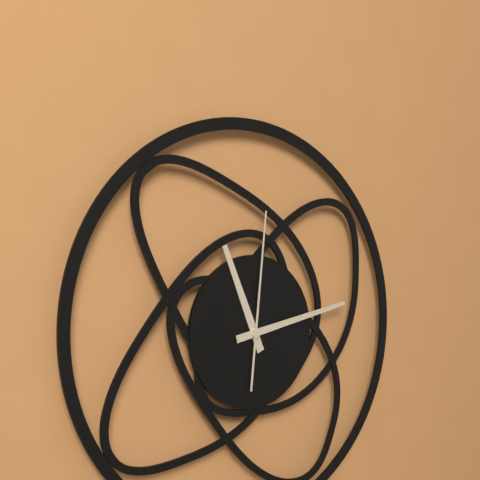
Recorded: 11 h 13 min 01 s
